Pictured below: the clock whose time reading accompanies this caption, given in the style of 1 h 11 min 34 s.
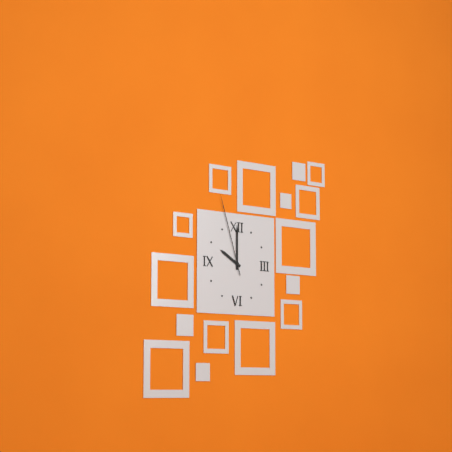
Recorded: 10 h 00 min 57 s
